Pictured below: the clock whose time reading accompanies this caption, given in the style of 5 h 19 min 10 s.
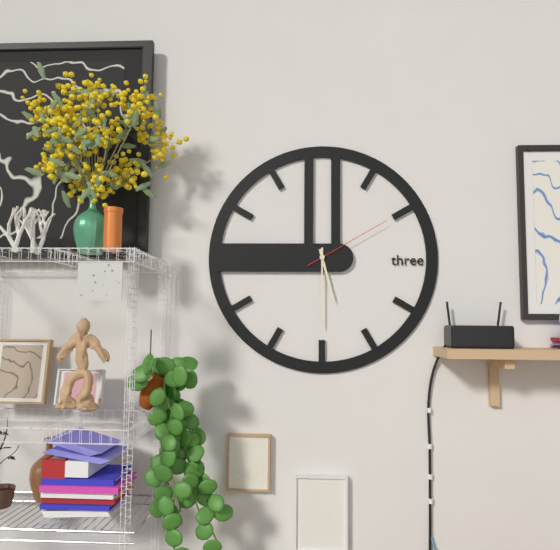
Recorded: 5 h 30 min 10 s
